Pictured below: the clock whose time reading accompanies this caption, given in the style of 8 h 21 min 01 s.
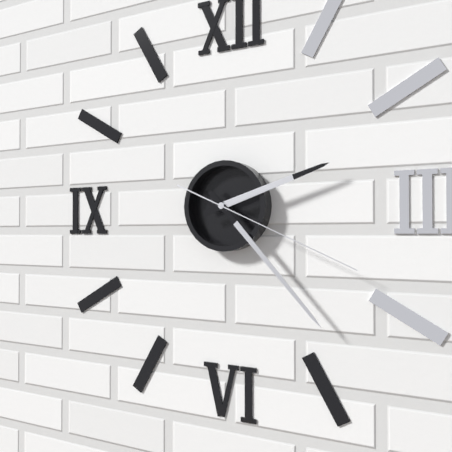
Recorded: 2 h 23 min 19 s
